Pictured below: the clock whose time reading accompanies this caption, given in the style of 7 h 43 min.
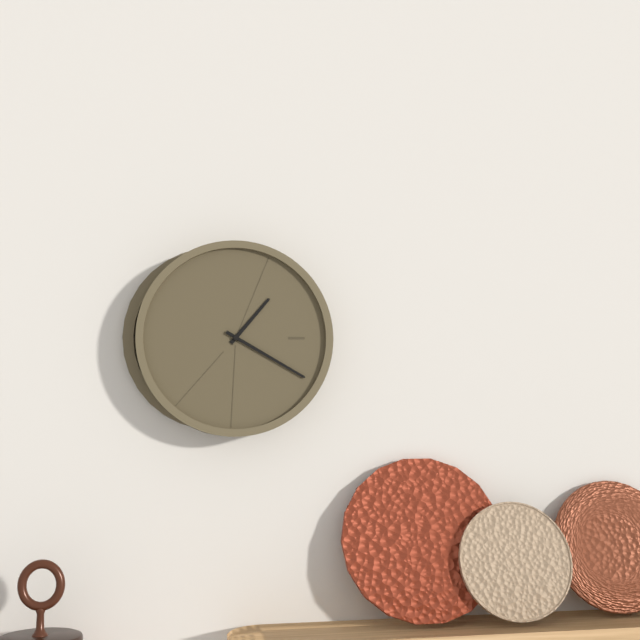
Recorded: 1 h 20 min
